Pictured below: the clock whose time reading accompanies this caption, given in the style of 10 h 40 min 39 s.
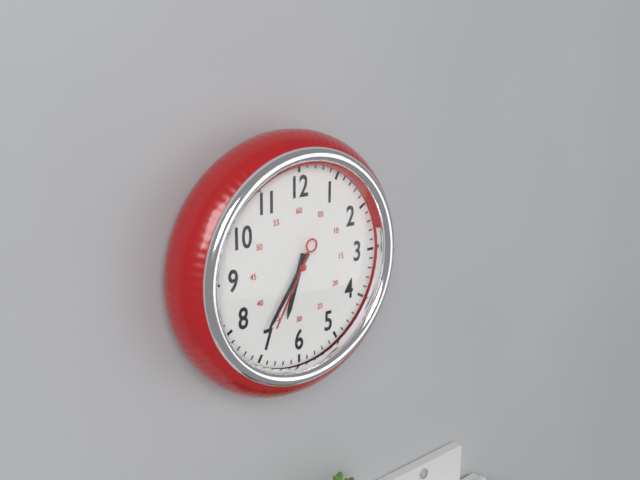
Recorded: 6 h 36 min 35 s
